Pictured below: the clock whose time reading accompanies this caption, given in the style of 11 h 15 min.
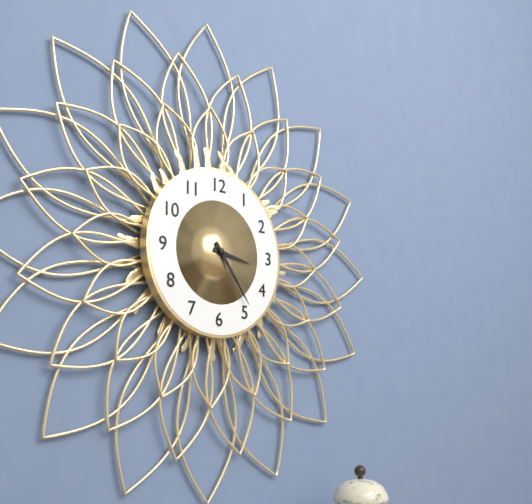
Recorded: 3 h 24 min
